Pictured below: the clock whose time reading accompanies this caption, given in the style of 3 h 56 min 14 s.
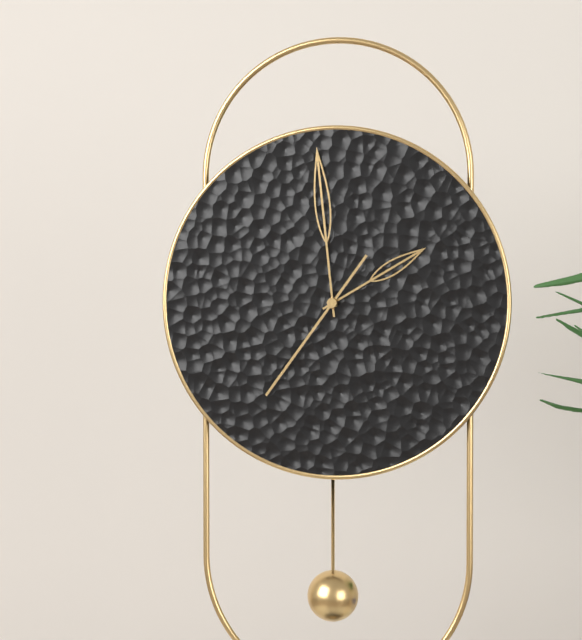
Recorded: 1 h 59 min 36 s
